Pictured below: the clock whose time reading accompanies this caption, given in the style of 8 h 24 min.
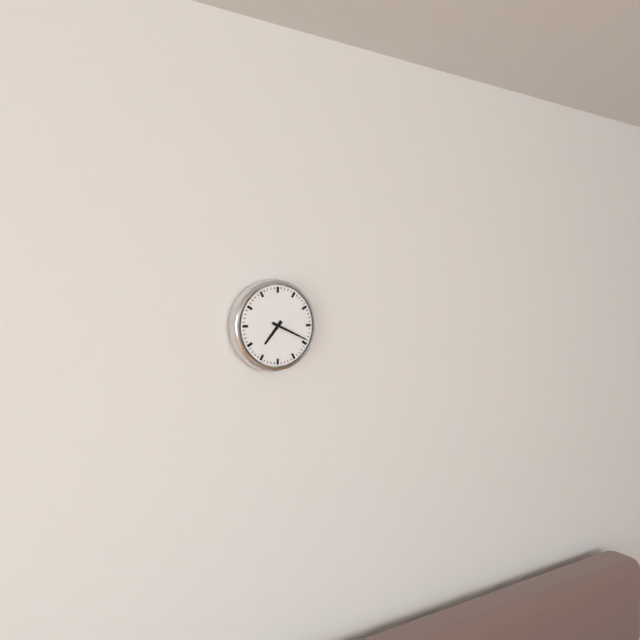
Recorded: 7 h 19 min
